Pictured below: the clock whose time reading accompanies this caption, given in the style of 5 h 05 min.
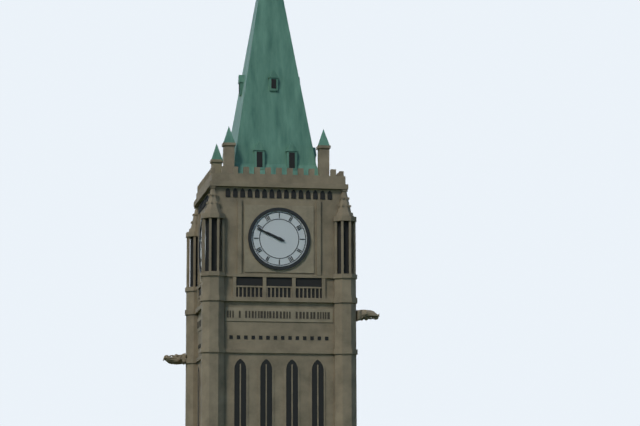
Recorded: 9 h 49 min
